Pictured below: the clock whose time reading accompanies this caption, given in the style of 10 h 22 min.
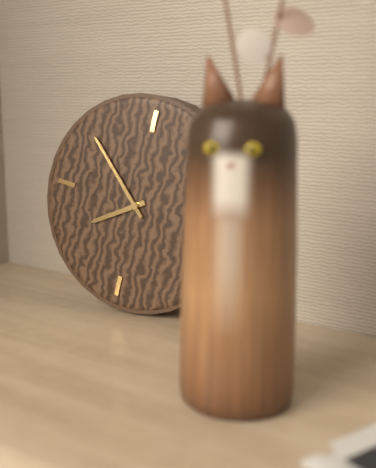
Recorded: 7 h 52 min
